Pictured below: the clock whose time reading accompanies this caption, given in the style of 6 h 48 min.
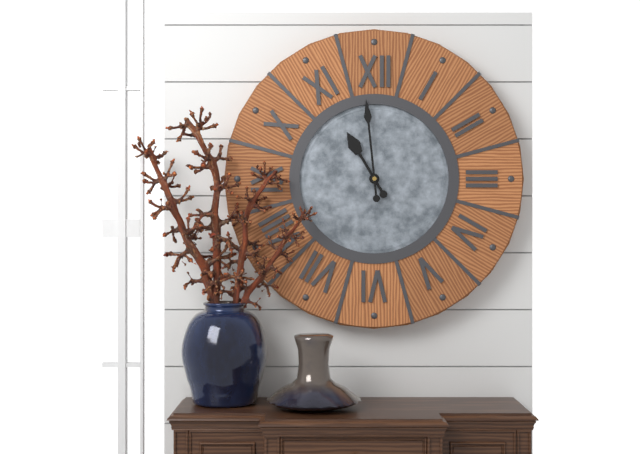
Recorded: 10 h 59 min
